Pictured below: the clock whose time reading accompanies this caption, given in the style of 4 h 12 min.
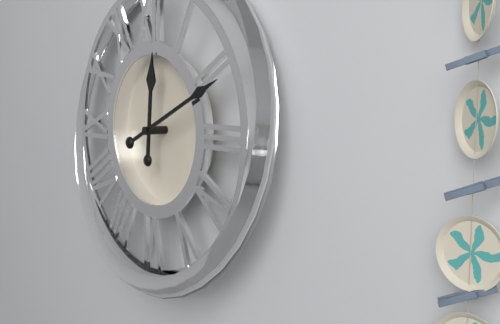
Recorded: 12 h 11 min
